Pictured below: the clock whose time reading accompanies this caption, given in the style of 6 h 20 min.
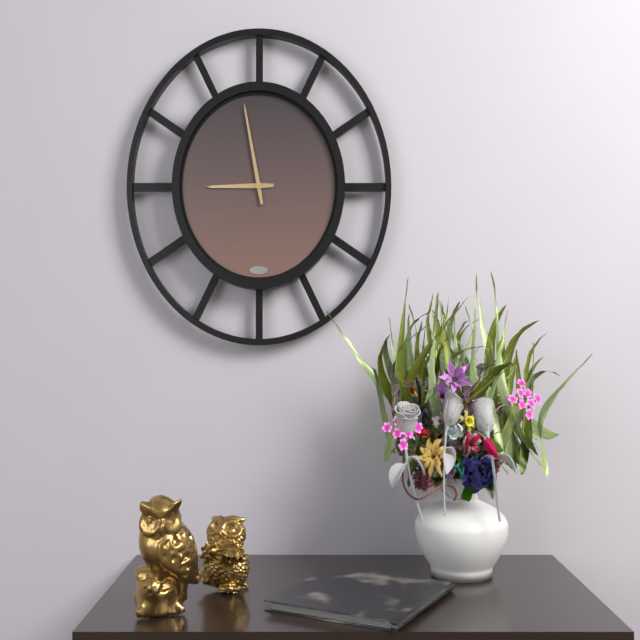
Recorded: 8 h 58 min
